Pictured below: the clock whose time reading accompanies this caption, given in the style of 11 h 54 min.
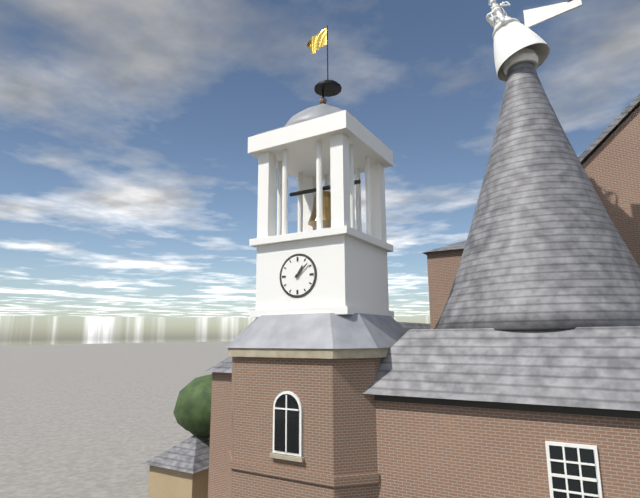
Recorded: 1 h 08 min
